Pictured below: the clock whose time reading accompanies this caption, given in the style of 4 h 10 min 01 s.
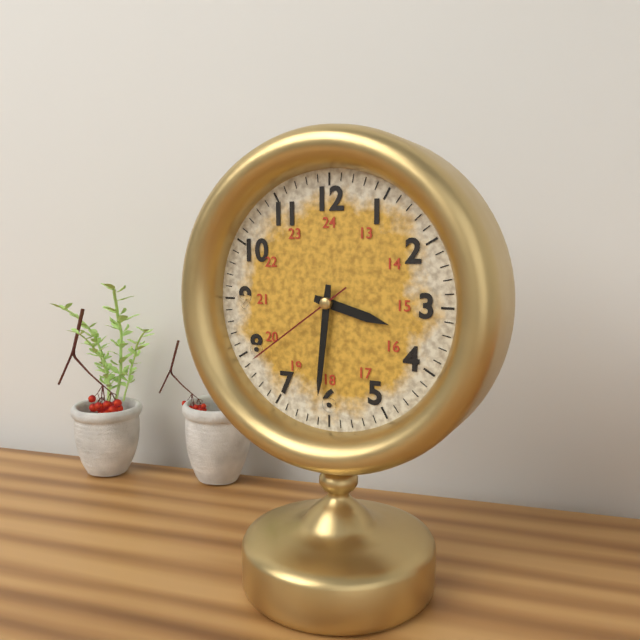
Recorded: 3 h 31 min 39 s
